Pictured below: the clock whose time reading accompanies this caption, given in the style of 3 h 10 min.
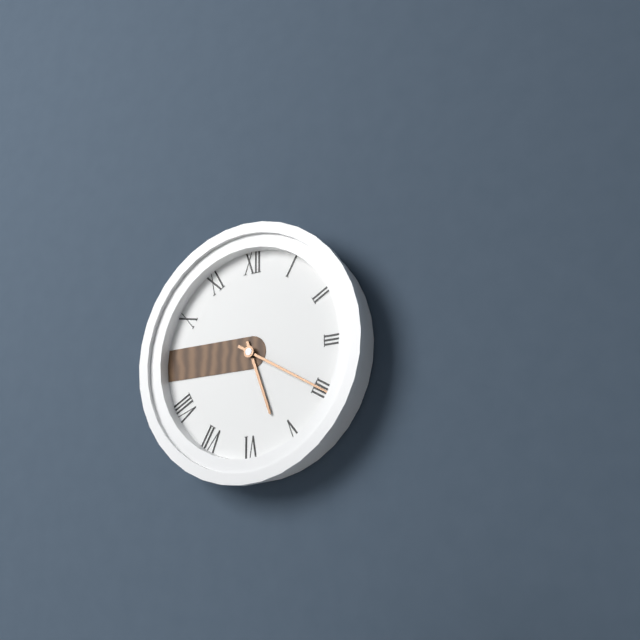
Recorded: 5 h 20 min
